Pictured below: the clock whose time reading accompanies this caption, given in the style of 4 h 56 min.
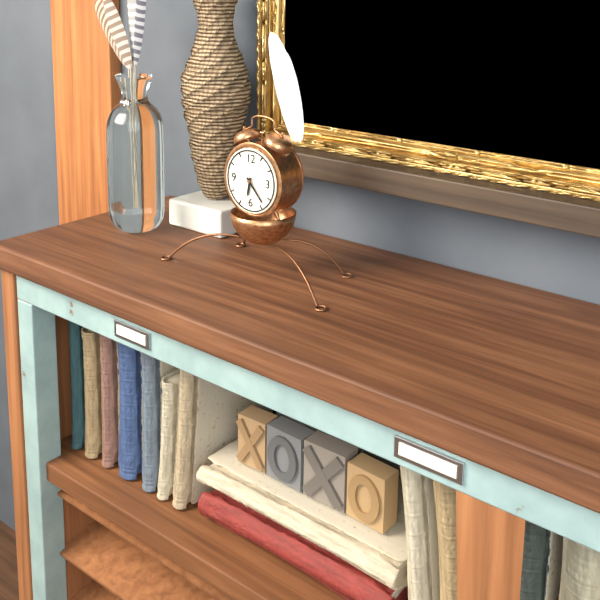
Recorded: 6 h 23 min
